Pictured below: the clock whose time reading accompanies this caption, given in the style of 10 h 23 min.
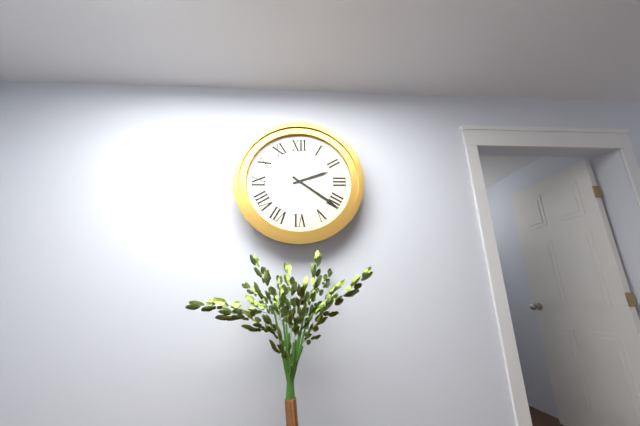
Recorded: 2 h 21 min
